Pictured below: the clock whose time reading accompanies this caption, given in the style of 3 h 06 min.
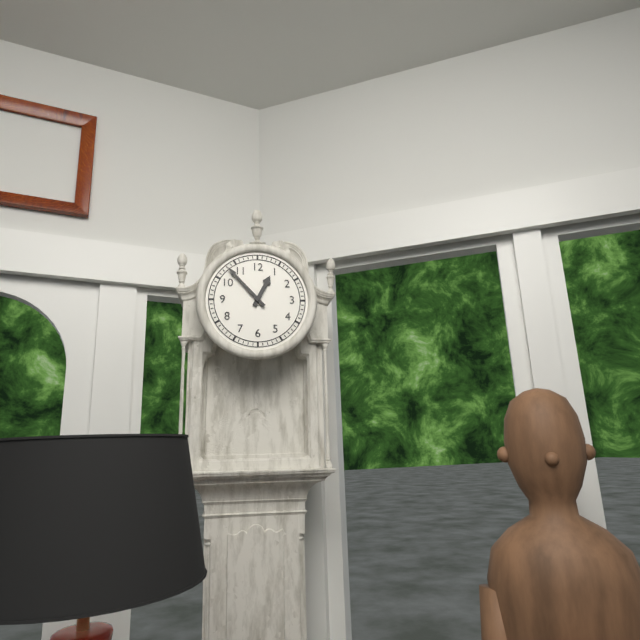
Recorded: 12 h 53 min
